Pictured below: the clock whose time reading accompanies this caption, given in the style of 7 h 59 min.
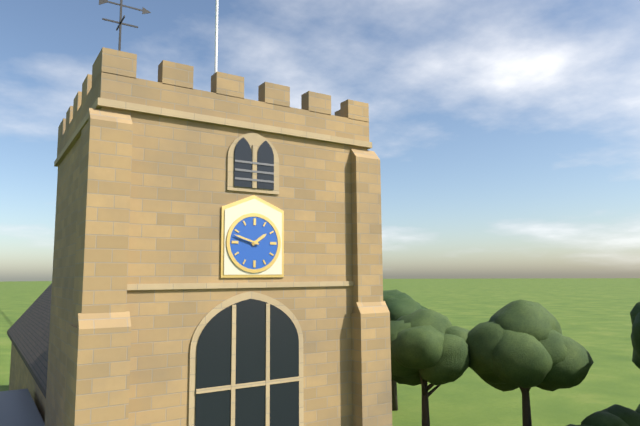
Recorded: 1 h 48 min
